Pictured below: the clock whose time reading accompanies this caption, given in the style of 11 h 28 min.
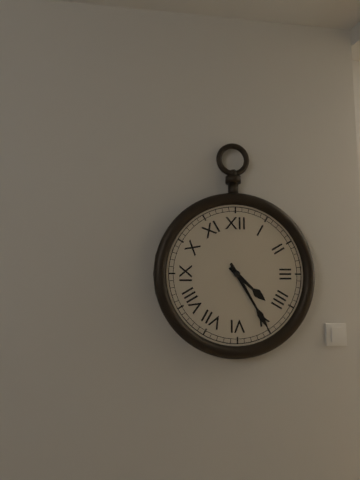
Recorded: 4 h 25 min
